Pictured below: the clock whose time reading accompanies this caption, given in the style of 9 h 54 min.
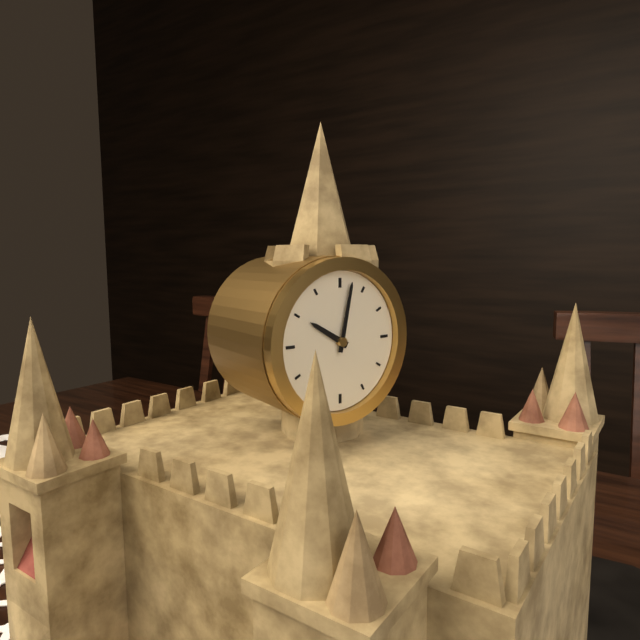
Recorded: 10 h 02 min
